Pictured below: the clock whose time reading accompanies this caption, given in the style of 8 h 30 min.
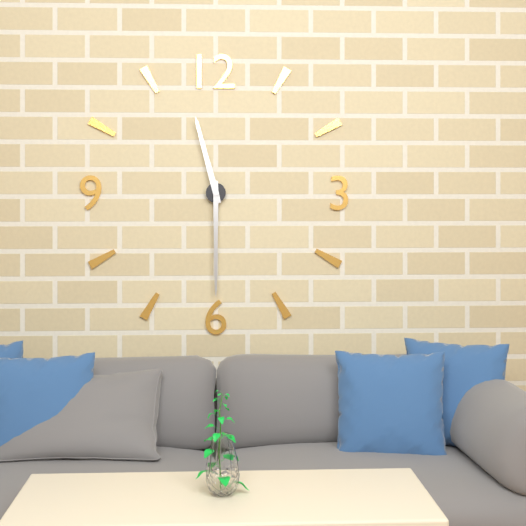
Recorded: 11 h 30 min
